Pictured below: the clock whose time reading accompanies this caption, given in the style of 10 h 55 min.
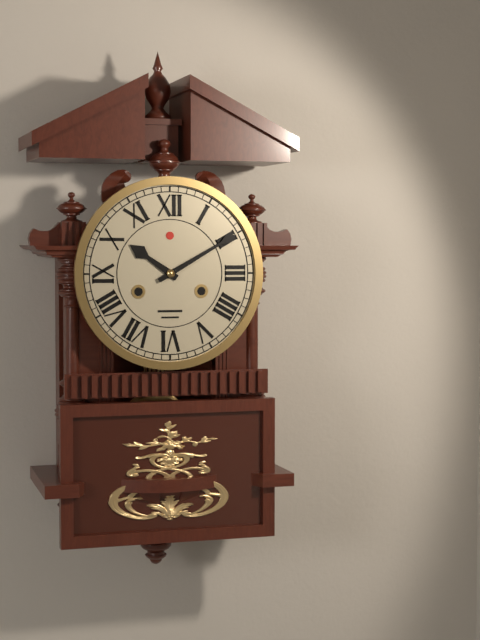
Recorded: 10 h 10 min
